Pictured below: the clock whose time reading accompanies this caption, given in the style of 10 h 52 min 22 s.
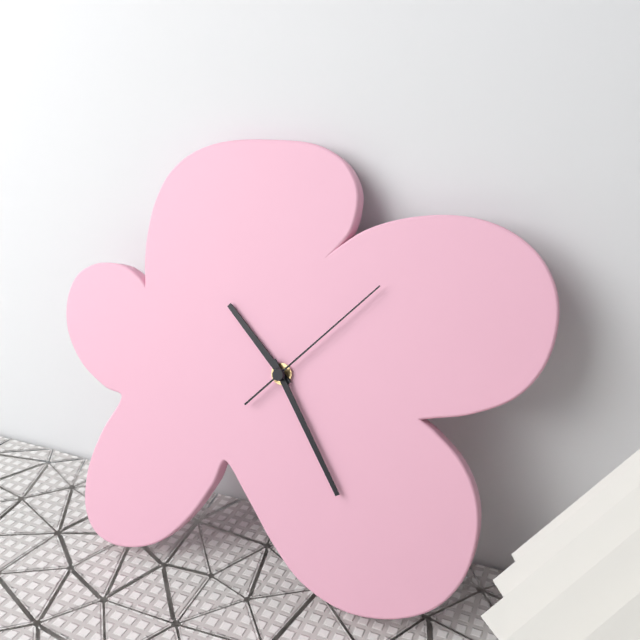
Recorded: 10 h 24 min 07 s
